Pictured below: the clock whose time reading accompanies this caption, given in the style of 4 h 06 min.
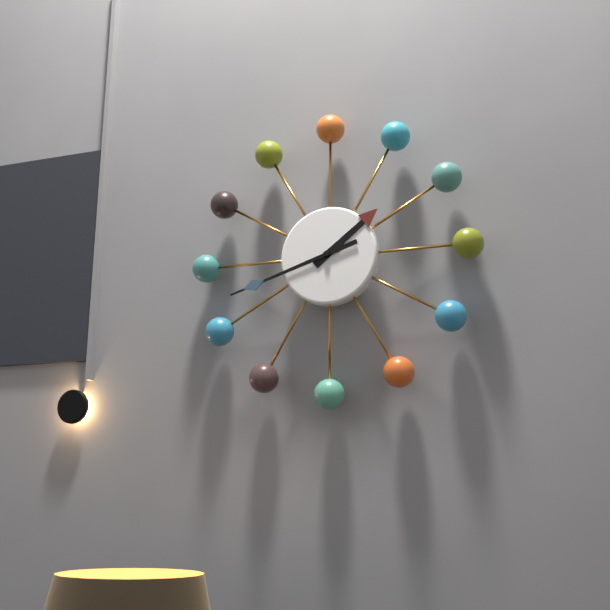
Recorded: 1 h 42 min
